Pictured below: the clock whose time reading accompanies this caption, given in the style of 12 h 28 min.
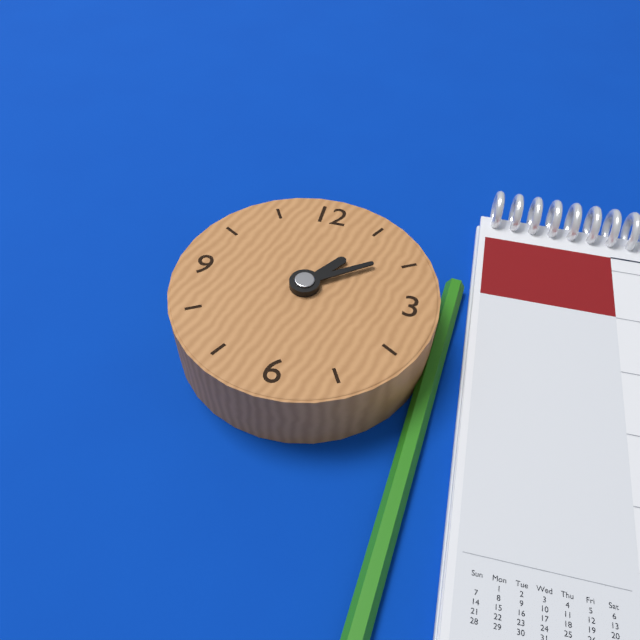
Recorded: 1 h 09 min
